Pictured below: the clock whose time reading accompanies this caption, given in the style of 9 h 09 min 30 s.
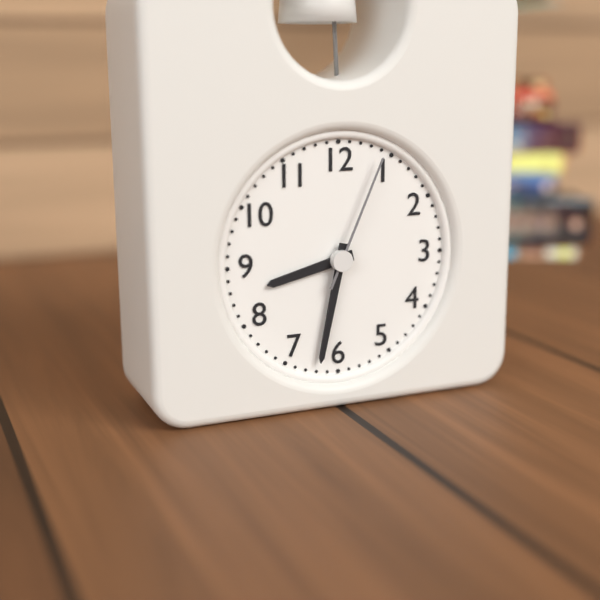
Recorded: 8 h 32 min 04 s
